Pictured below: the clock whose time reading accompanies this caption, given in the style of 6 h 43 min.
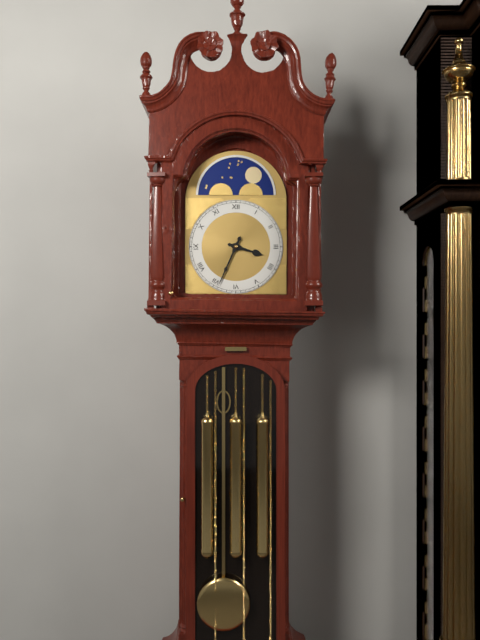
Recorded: 3 h 34 min
